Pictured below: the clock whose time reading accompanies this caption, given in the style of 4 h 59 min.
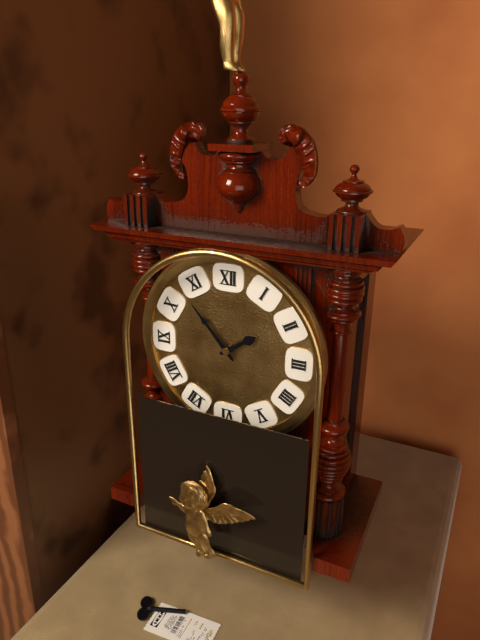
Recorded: 1 h 53 min
